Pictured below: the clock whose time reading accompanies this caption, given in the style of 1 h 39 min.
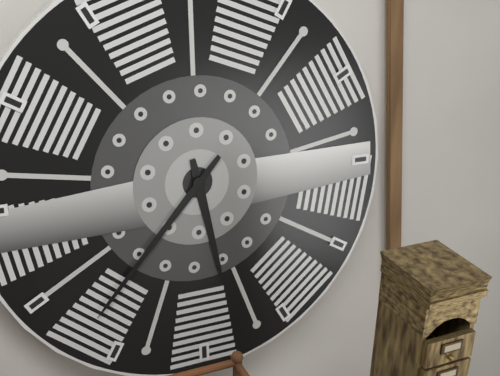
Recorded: 5 h 37 min
